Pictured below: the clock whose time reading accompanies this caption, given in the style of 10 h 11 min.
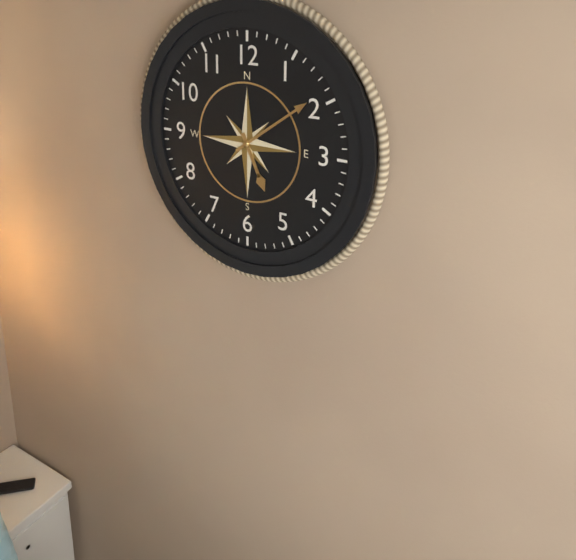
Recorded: 5 h 09 min
